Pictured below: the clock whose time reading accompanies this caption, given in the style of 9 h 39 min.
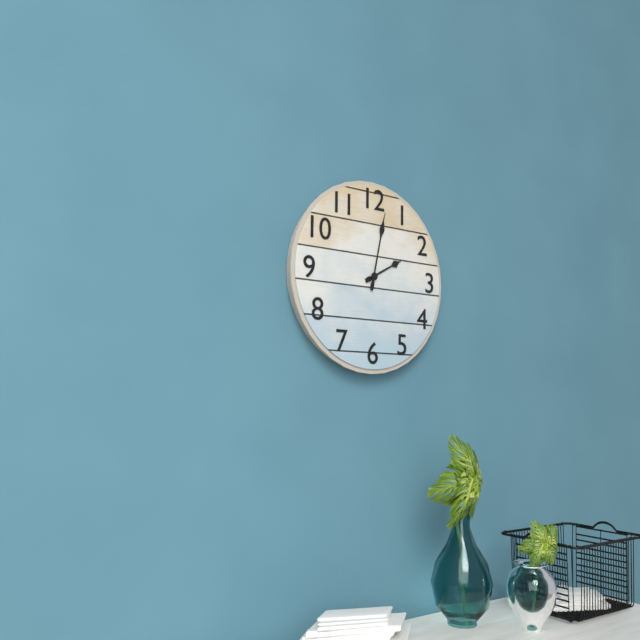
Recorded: 2 h 02 min
